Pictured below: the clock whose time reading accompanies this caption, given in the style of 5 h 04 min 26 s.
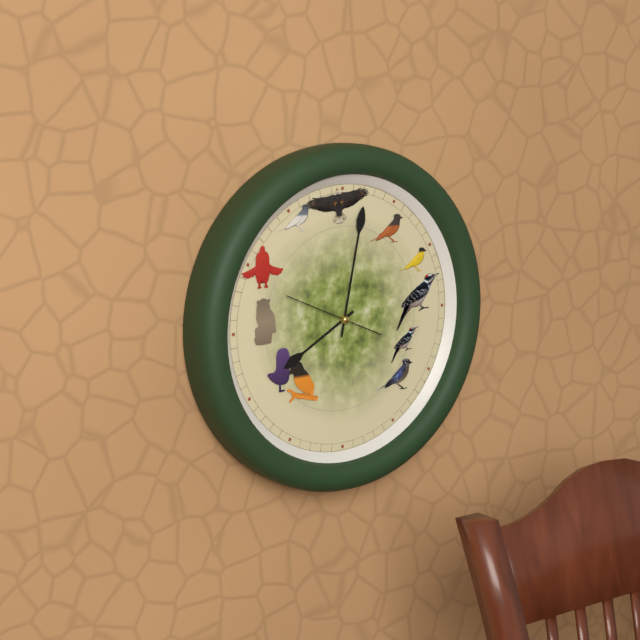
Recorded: 8 h 02 min 49 s
